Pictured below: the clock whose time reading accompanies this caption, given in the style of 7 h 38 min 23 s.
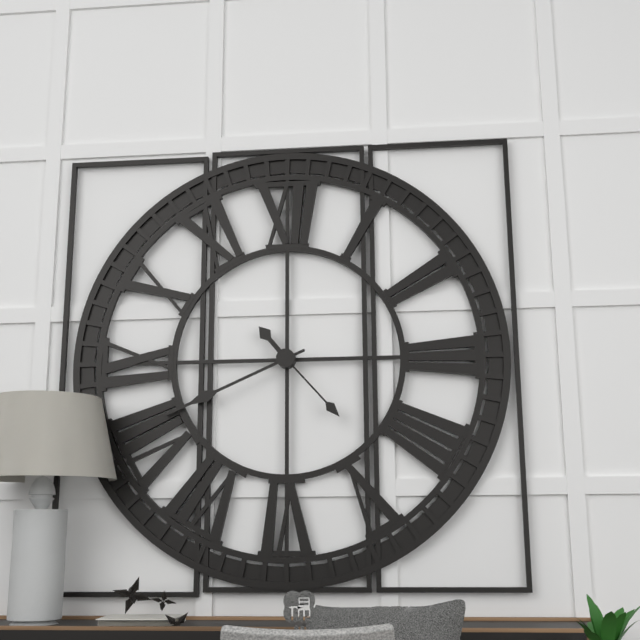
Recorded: 10 h 41 min 23 s
